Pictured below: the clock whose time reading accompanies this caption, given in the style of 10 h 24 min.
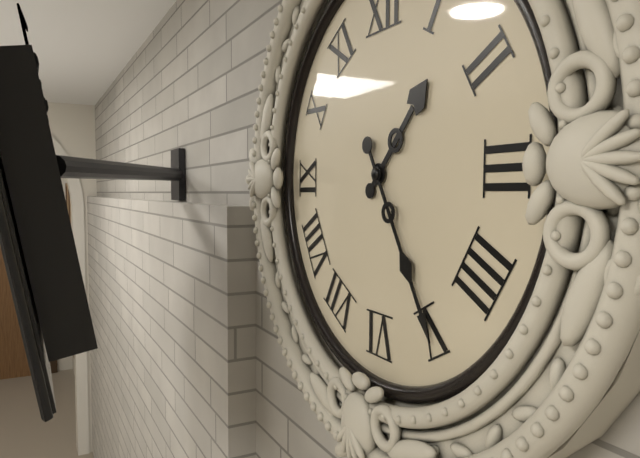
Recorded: 1 h 25 min
